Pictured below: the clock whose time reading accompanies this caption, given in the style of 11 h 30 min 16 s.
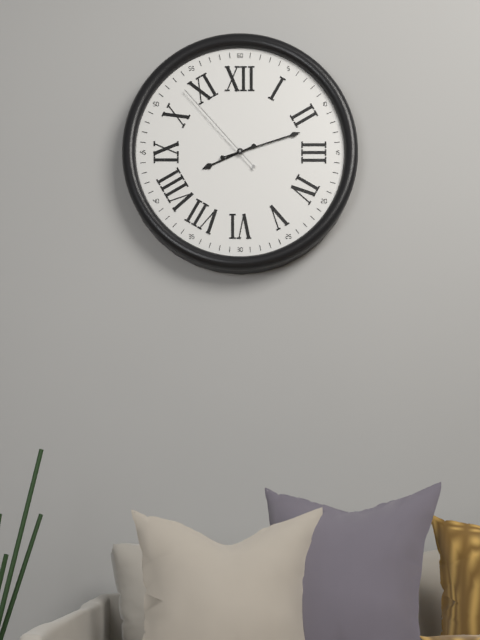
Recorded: 8 h 12 min 53 s
